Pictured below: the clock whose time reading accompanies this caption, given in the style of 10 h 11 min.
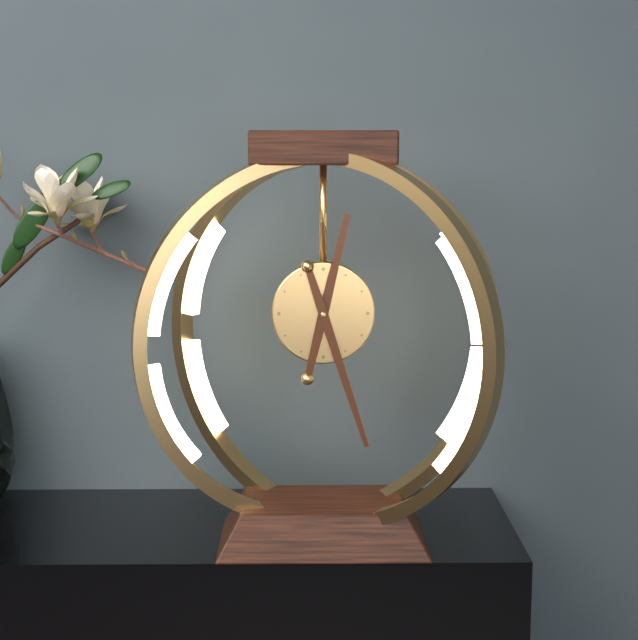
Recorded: 12 h 27 min
